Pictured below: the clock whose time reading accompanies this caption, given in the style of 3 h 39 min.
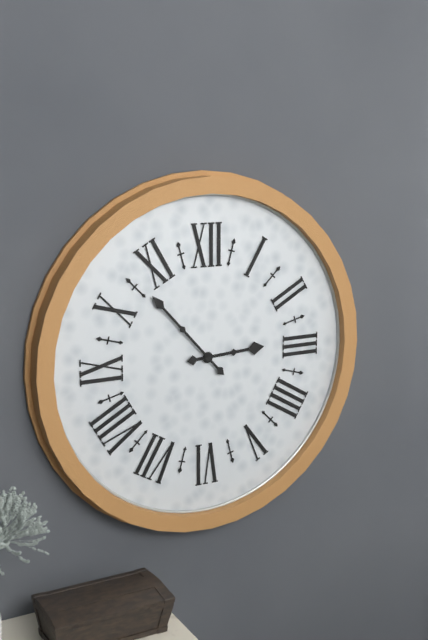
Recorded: 2 h 53 min
